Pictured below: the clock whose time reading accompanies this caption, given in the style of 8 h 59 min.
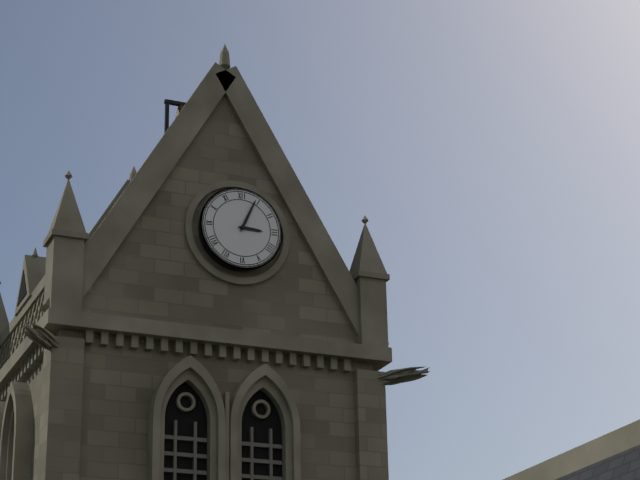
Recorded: 3 h 04 min
